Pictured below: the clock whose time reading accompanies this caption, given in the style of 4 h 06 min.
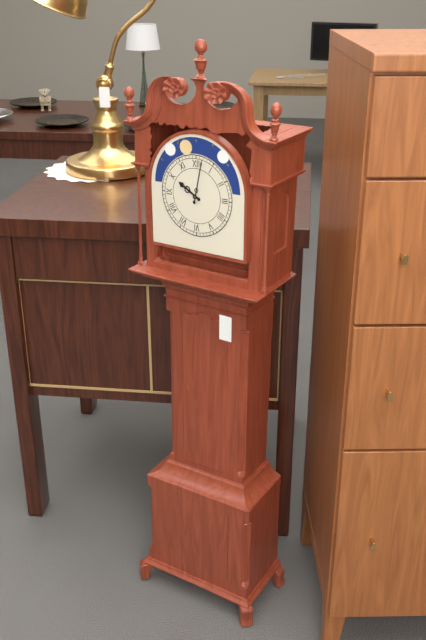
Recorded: 10 h 02 min
